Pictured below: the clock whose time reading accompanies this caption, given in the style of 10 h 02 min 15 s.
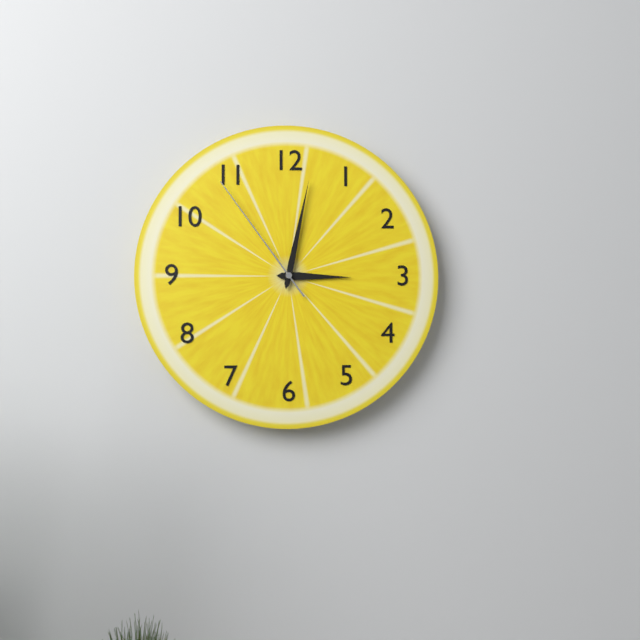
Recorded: 3 h 02 min 54 s
